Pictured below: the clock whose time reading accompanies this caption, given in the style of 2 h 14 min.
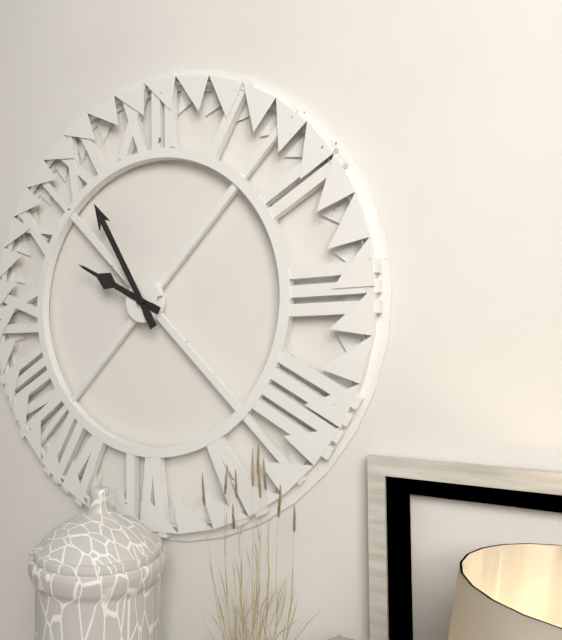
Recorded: 9 h 55 min
